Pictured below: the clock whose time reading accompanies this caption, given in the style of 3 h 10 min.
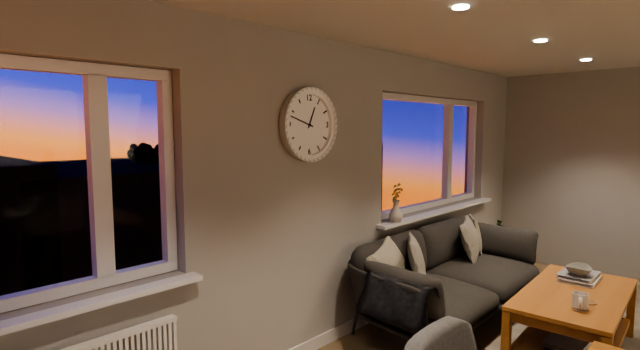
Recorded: 12 h 48 min
